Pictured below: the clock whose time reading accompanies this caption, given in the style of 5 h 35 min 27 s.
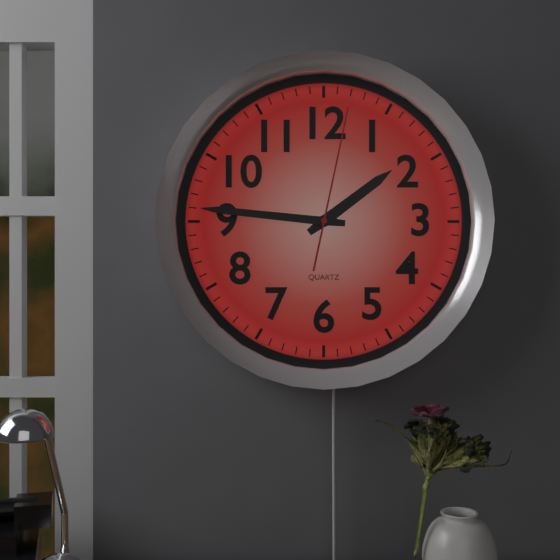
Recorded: 1 h 46 min 02 s
